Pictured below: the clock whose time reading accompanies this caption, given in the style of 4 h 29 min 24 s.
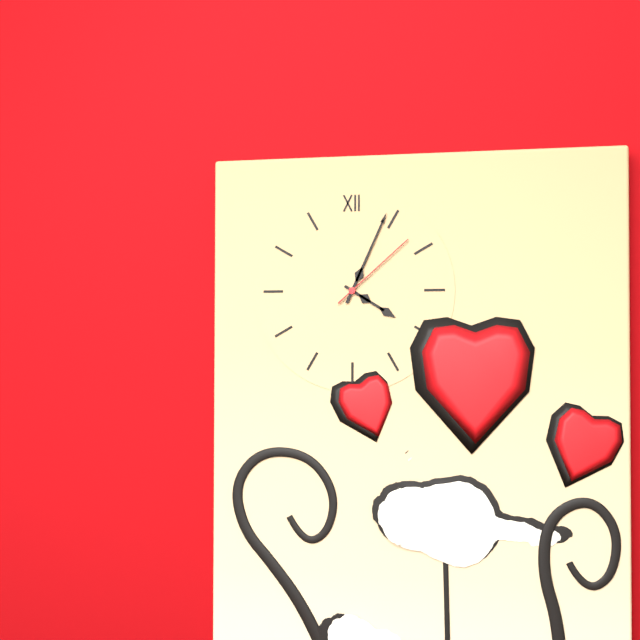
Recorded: 4 h 04 min 08 s
